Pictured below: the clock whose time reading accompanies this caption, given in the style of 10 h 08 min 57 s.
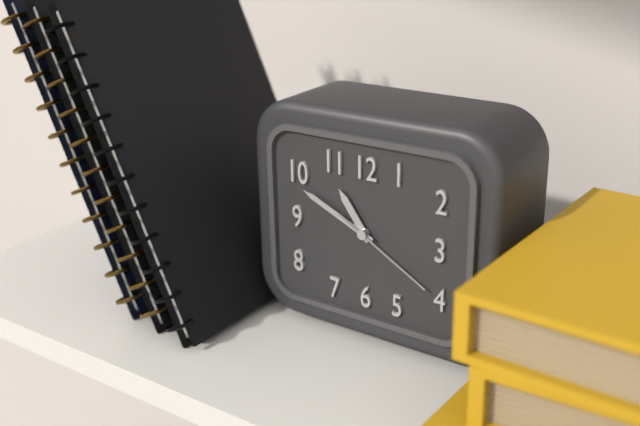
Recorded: 10 h 49 min 20 s
